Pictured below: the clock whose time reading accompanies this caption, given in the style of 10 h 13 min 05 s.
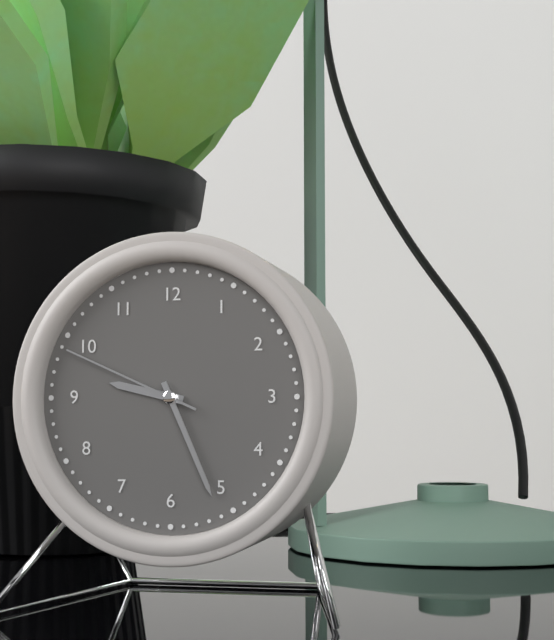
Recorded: 9 h 26 min 49 s
